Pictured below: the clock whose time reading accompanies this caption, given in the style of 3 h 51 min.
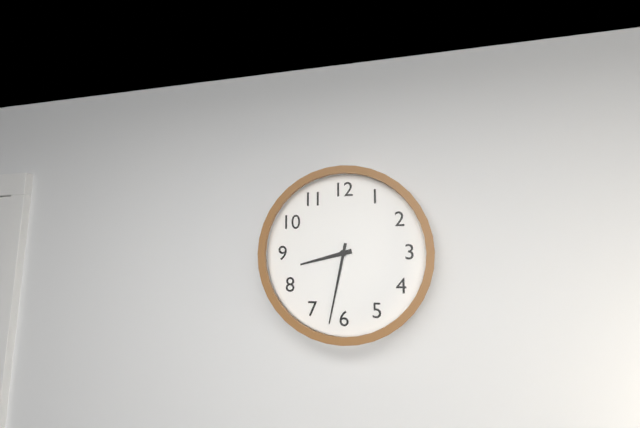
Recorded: 8 h 32 min
